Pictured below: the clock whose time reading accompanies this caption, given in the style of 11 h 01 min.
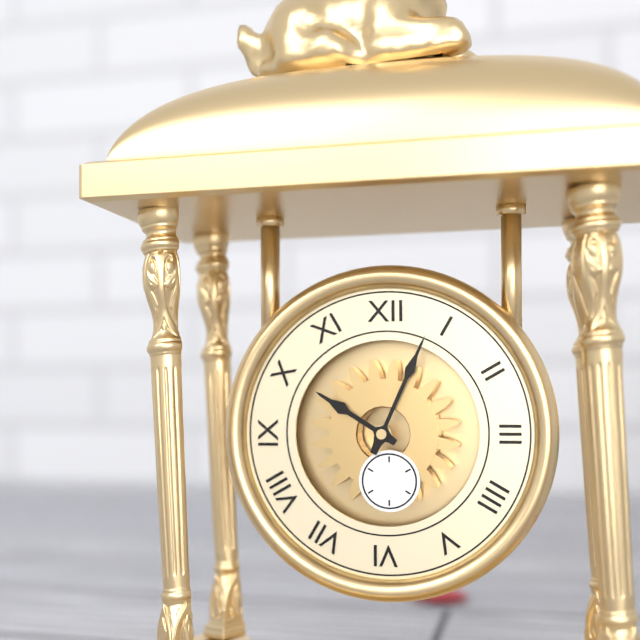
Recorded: 10 h 04 min
